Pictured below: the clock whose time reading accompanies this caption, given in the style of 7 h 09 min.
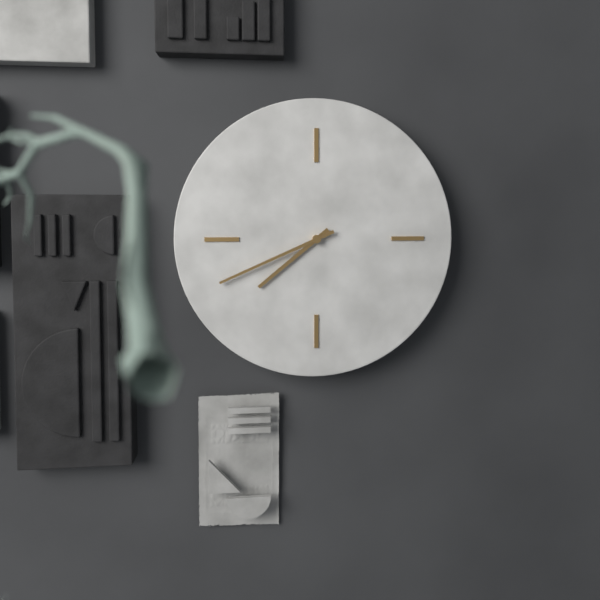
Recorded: 7 h 41 min
